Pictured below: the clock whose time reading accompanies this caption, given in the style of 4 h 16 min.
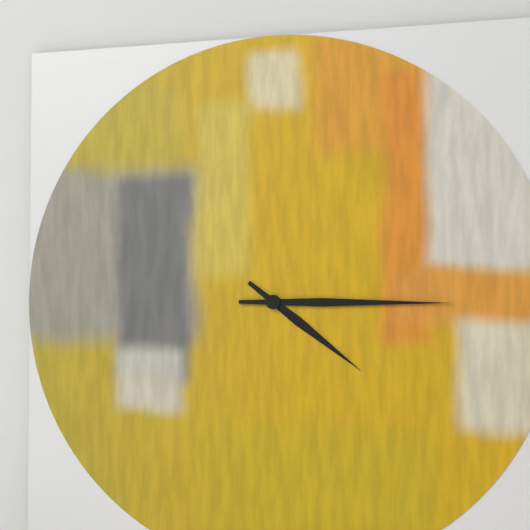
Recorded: 4 h 15 min
